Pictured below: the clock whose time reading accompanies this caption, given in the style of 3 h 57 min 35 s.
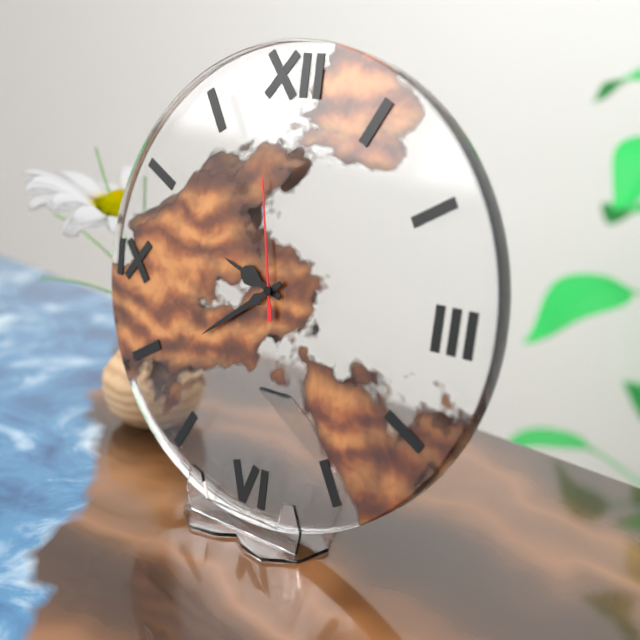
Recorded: 9 h 39 min 58 s
